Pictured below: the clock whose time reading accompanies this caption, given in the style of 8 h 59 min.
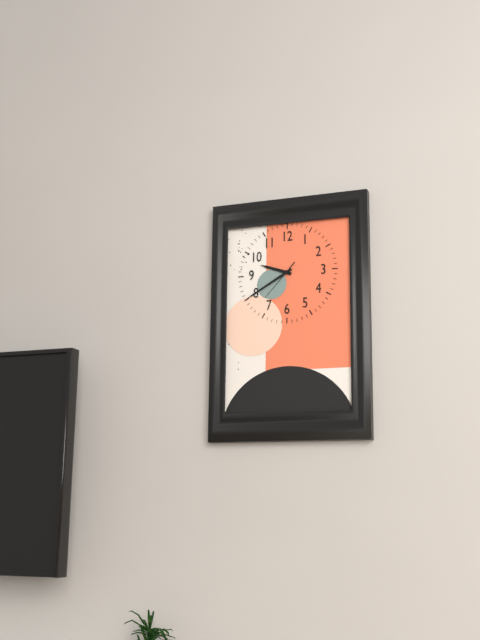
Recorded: 9 h 40 min
